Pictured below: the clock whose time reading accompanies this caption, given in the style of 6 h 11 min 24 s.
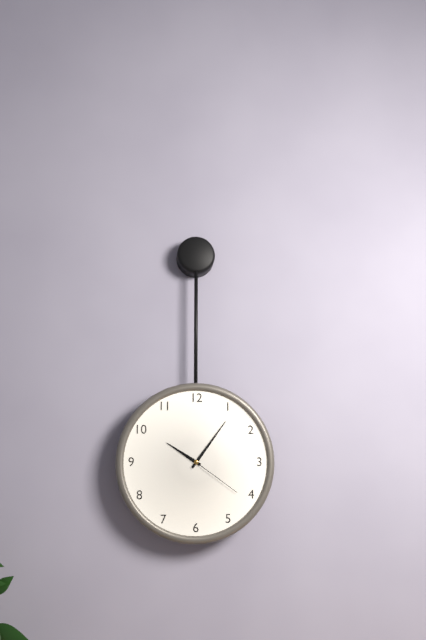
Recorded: 10 h 06 min 21 s
